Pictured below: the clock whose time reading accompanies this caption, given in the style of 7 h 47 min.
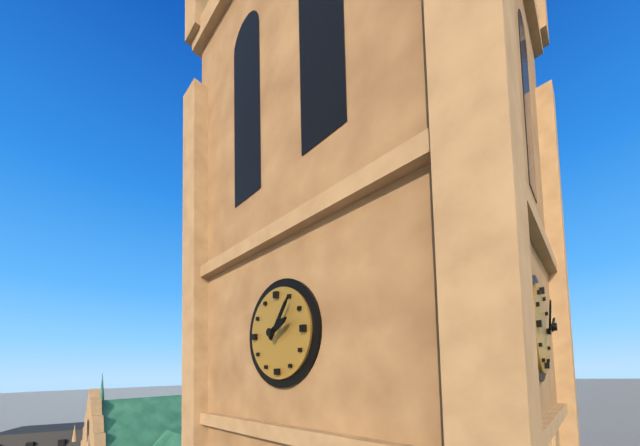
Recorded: 2 h 06 min
